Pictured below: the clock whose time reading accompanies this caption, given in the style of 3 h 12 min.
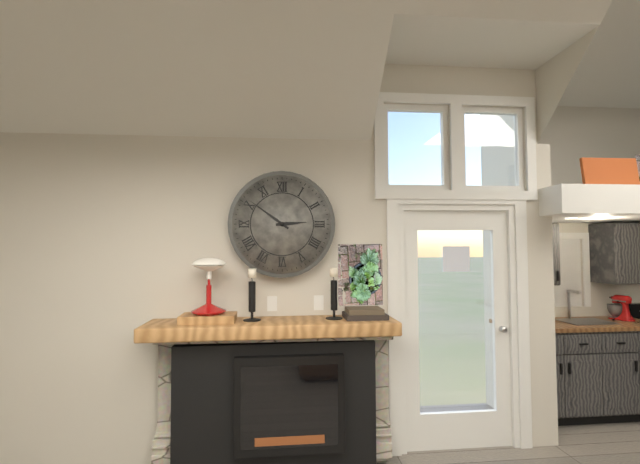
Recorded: 2 h 51 min
